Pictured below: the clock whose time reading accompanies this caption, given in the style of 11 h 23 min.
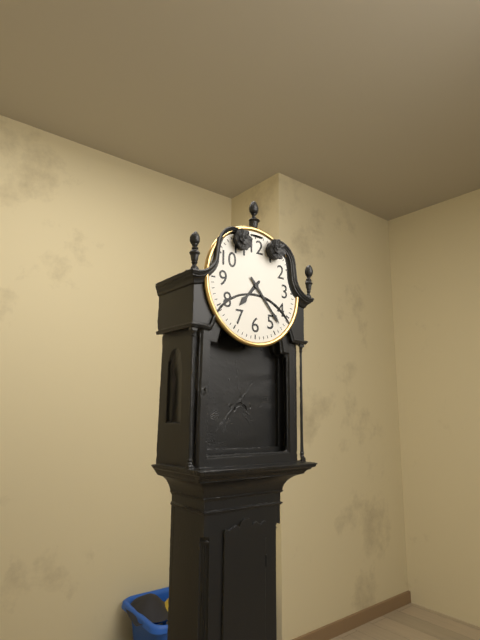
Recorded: 7 h 23 min
